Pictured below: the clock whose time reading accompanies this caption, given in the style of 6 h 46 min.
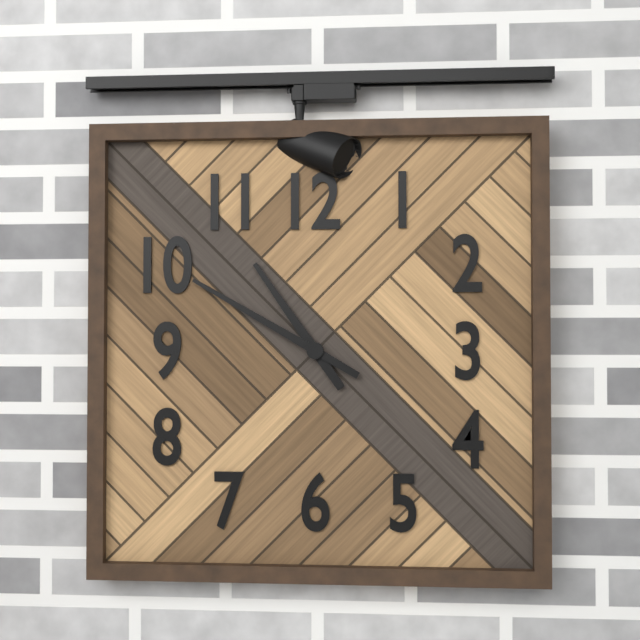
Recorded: 10 h 50 min
